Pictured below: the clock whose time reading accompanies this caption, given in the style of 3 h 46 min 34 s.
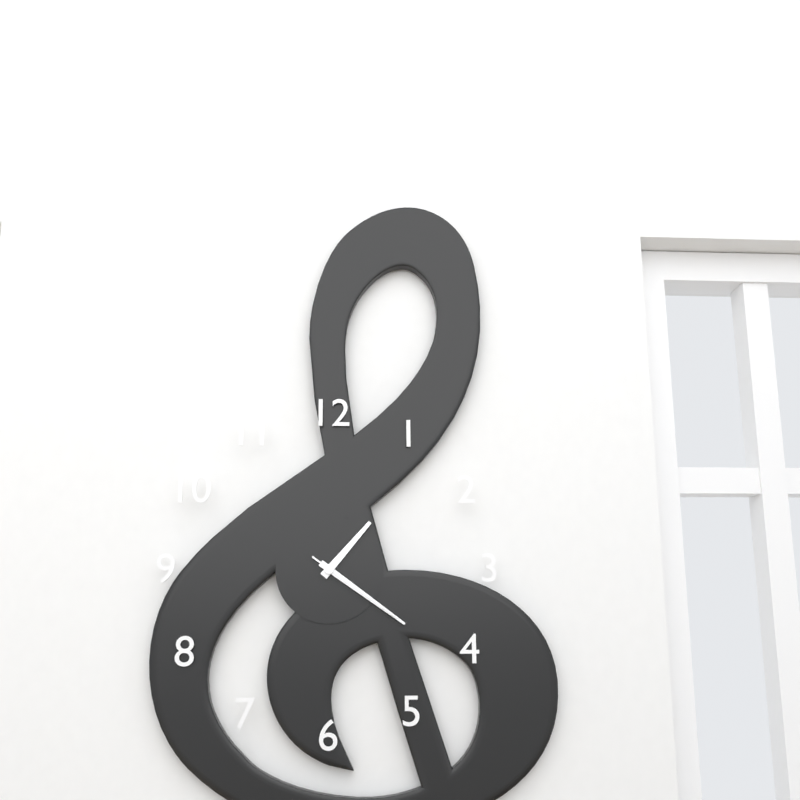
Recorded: 1 h 21 min 21 s
